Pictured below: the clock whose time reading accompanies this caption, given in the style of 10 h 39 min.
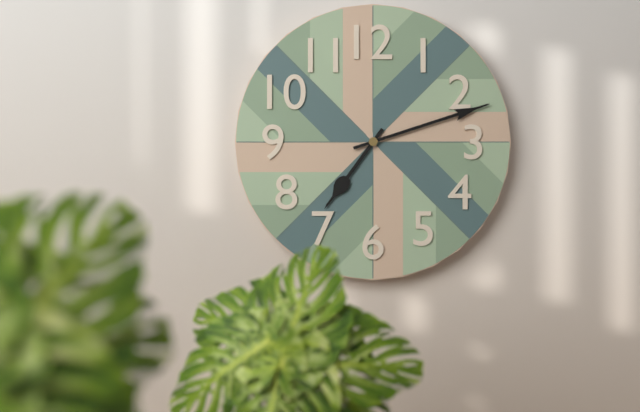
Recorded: 7 h 12 min
